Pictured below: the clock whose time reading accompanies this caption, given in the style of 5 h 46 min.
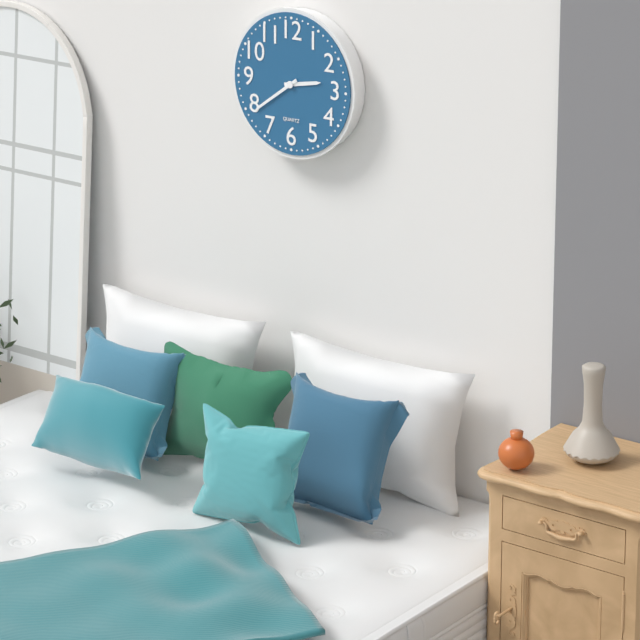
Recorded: 2 h 39 min
